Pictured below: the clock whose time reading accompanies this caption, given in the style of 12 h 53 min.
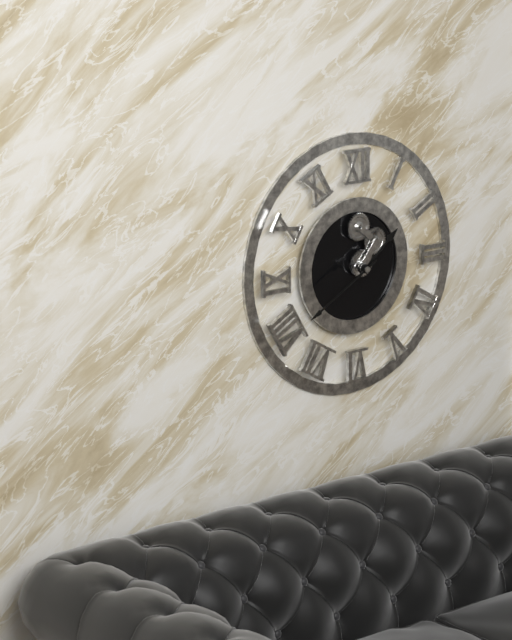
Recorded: 1 h 40 min
